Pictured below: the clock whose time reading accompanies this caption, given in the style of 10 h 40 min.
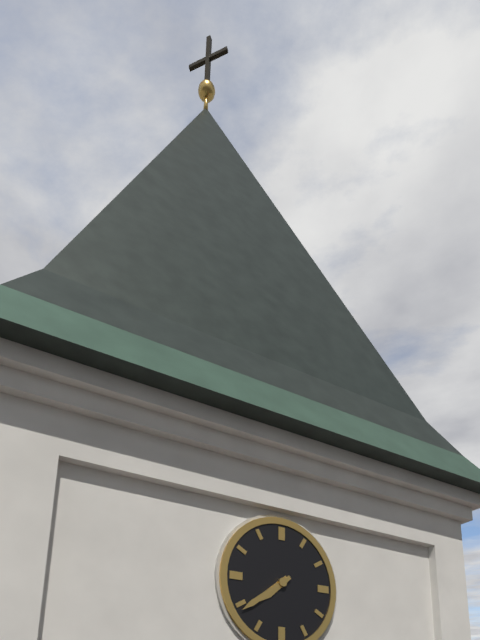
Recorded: 7 h 39 min
